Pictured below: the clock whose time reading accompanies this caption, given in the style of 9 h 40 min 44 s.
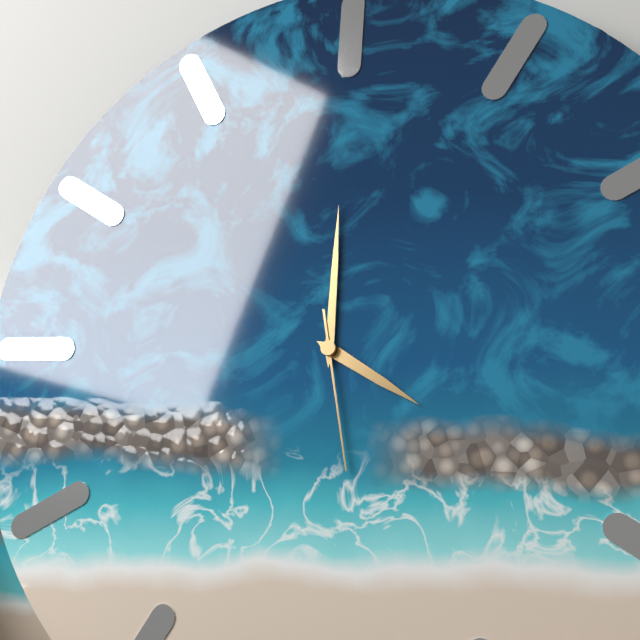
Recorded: 4 h 00 min 28 s
